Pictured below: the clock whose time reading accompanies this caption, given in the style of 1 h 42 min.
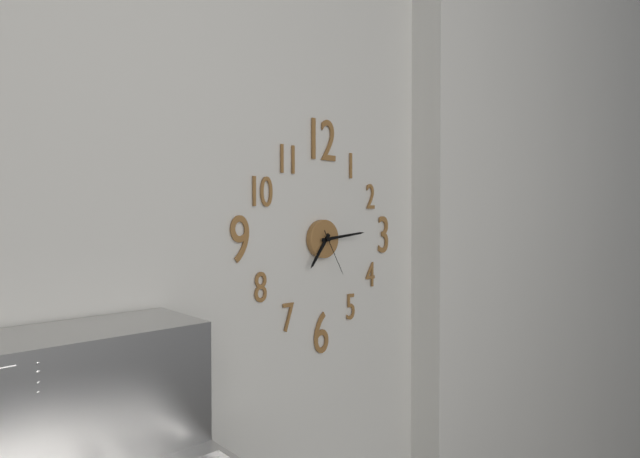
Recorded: 7 h 14 min
